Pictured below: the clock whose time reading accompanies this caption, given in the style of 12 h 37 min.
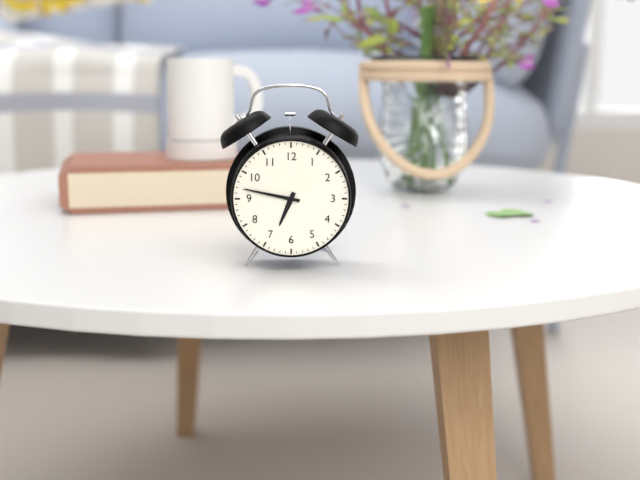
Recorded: 6 h 47 min
